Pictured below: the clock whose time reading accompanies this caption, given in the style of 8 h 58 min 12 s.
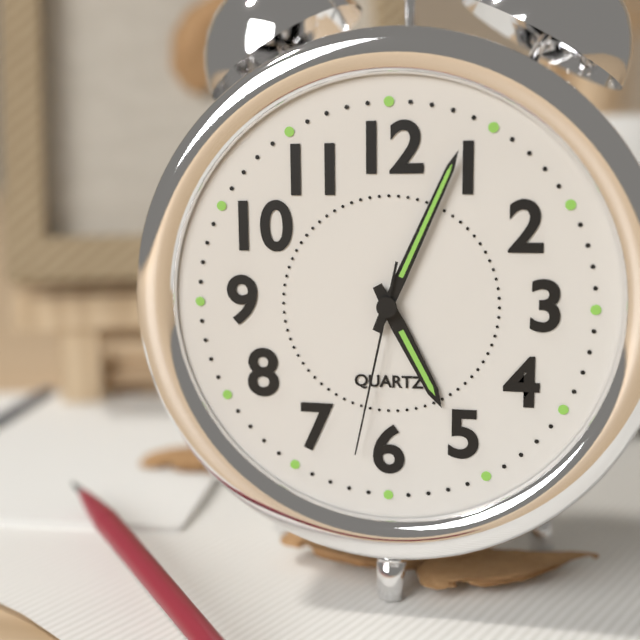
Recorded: 5 h 04 min 32 s
